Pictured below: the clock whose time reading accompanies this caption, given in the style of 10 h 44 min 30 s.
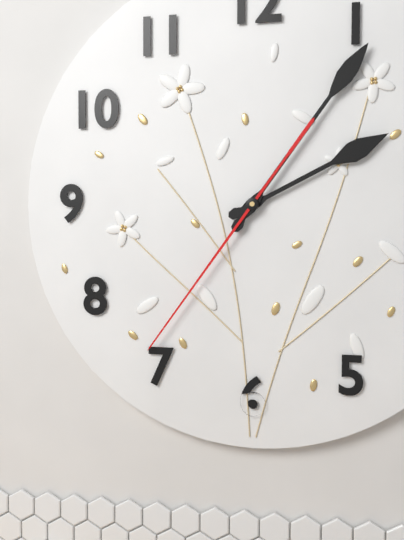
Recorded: 2 h 06 min 36 s
